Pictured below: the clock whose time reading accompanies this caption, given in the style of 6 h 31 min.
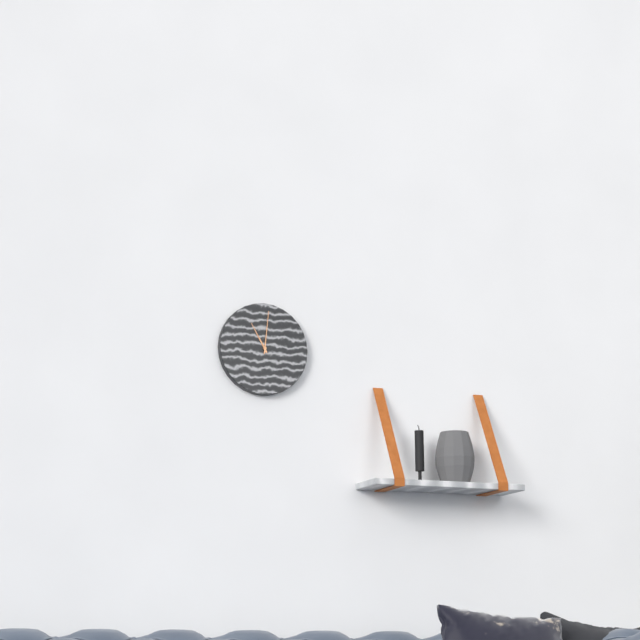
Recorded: 11 h 01 min
